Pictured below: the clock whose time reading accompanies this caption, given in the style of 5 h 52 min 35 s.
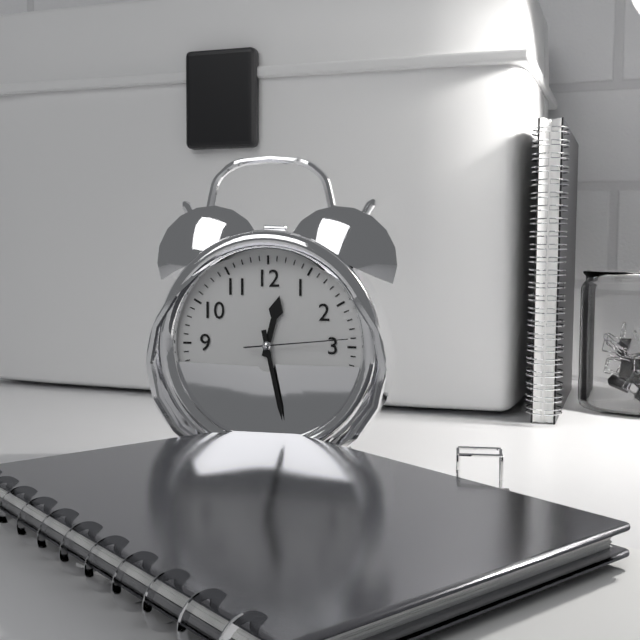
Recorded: 12 h 28 min 14 s
